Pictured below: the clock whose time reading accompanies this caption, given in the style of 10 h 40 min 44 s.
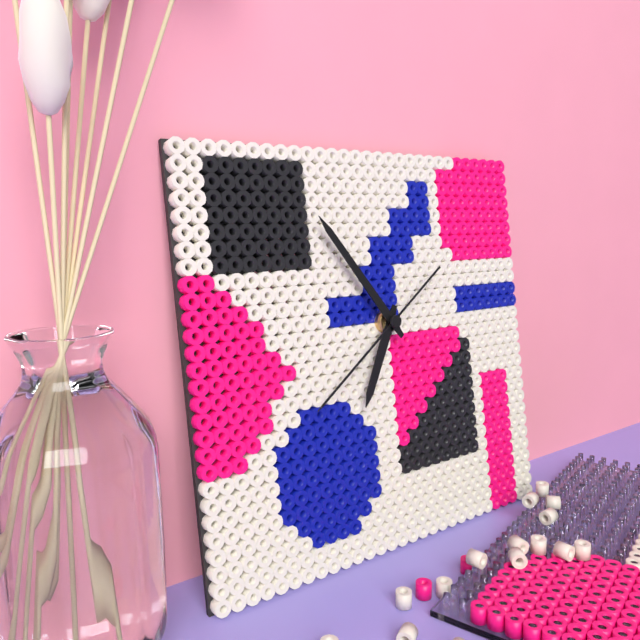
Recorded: 6 h 54 min 39 s
